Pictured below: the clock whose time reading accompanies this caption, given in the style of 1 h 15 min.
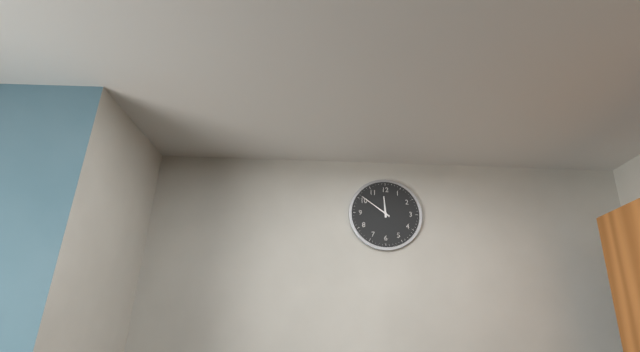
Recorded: 11 h 51 min
